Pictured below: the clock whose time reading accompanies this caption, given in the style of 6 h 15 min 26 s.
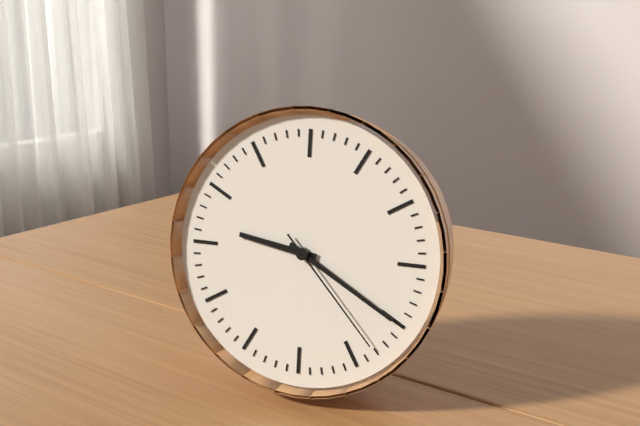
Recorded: 9 h 20 min 23 s
